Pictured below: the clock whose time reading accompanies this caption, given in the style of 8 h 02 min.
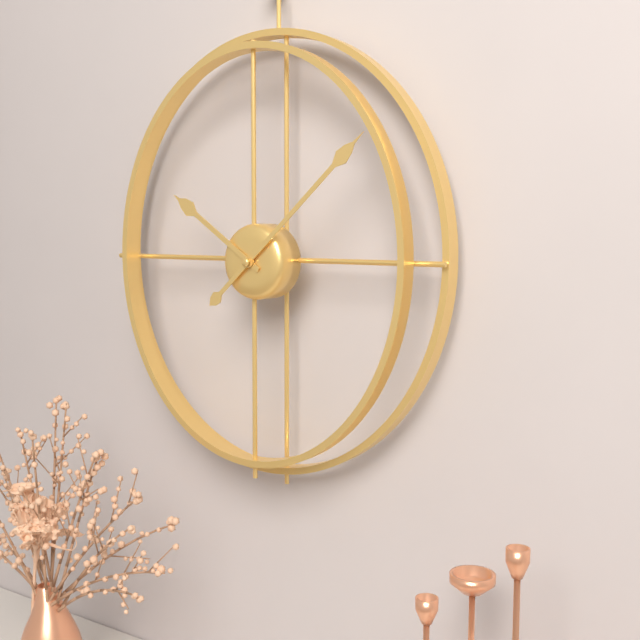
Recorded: 10 h 08 min
